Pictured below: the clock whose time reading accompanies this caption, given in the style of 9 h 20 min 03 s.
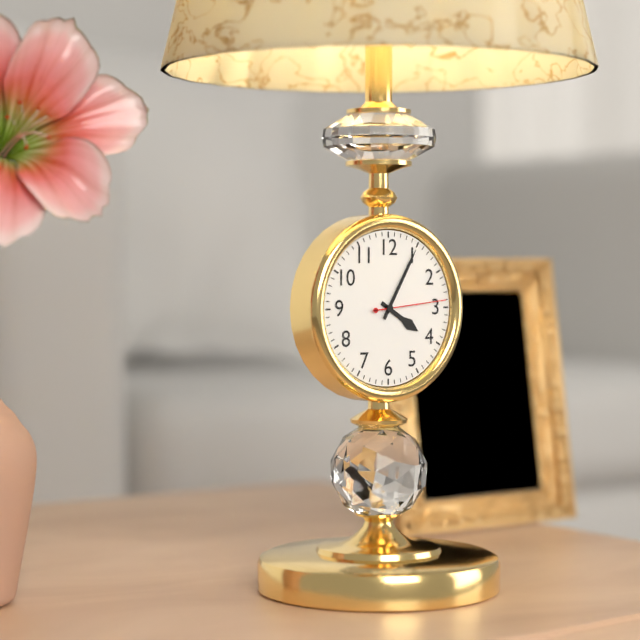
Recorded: 4 h 05 min 14 s
